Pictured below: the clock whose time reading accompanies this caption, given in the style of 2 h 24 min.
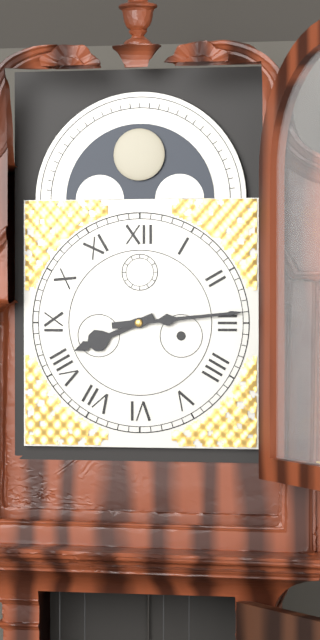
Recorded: 8 h 14 min
